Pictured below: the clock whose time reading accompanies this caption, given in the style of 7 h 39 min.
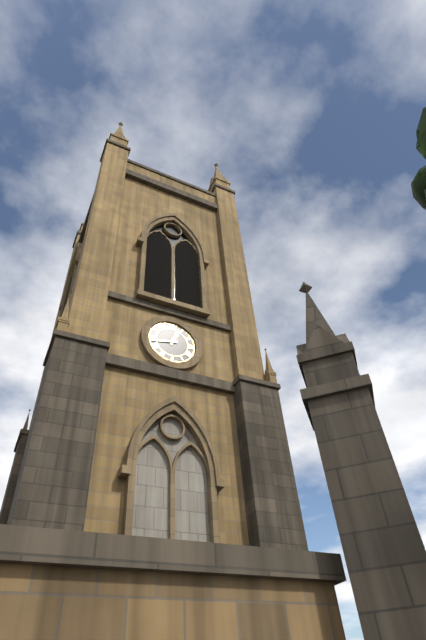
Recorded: 12 h 43 min
